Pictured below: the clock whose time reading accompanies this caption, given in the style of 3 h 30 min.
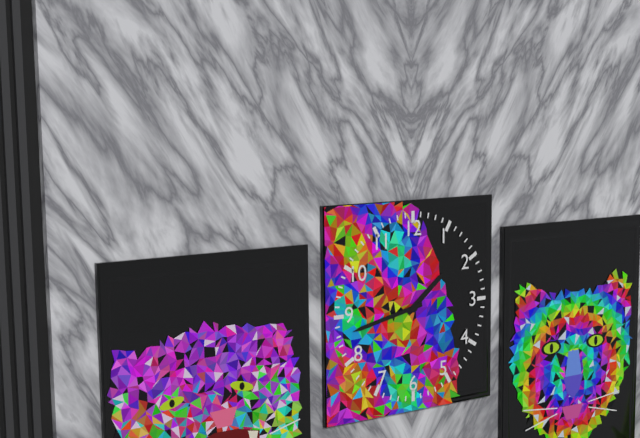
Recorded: 1 h 43 min
